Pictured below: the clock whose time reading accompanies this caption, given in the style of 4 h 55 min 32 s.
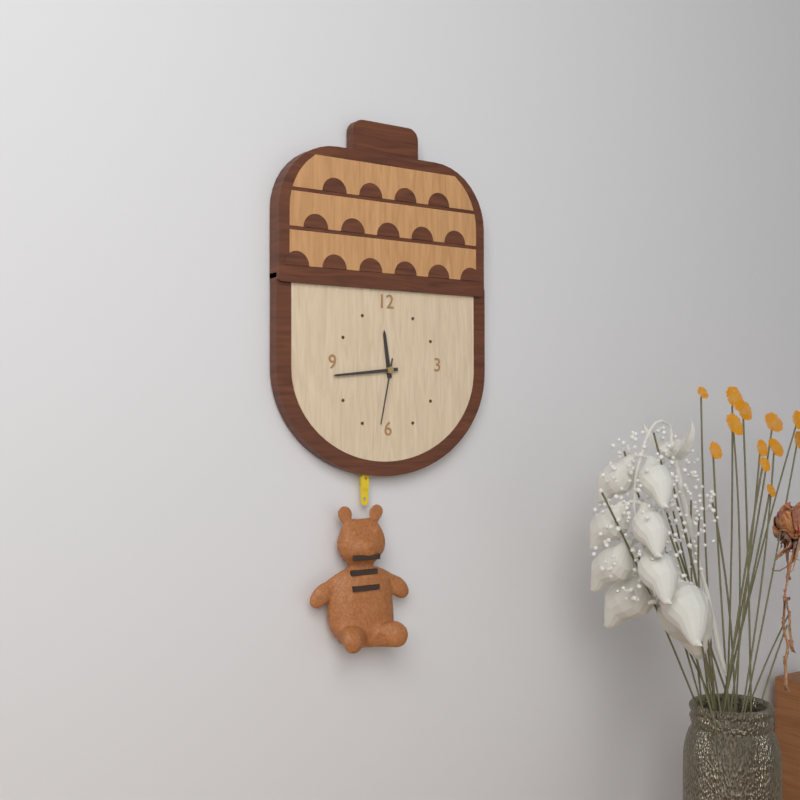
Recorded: 11 h 44 min 32 s
